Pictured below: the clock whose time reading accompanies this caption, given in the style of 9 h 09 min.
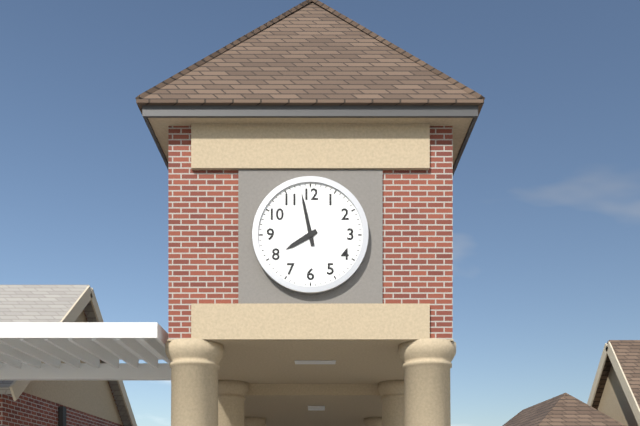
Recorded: 7 h 58 min
